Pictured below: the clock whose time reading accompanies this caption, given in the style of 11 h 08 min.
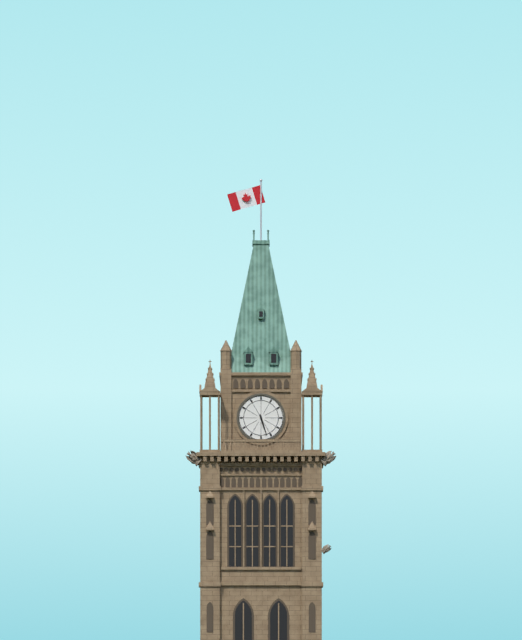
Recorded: 5 h 27 min
